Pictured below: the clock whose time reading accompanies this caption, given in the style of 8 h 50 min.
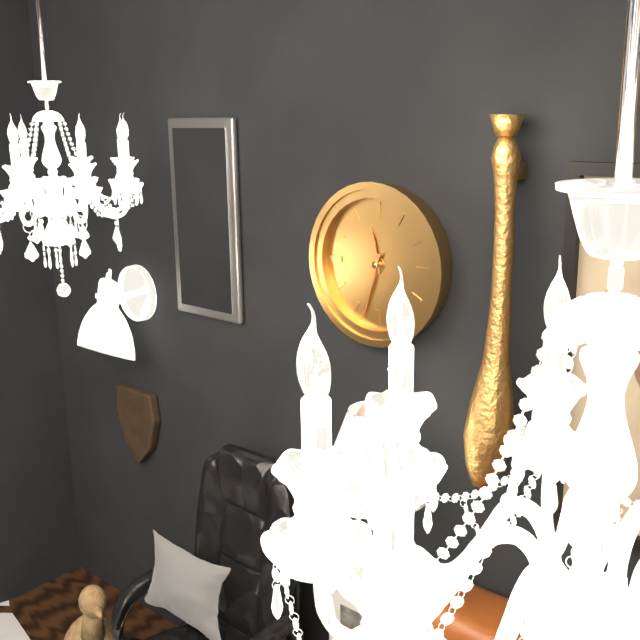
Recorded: 11 h 33 min
